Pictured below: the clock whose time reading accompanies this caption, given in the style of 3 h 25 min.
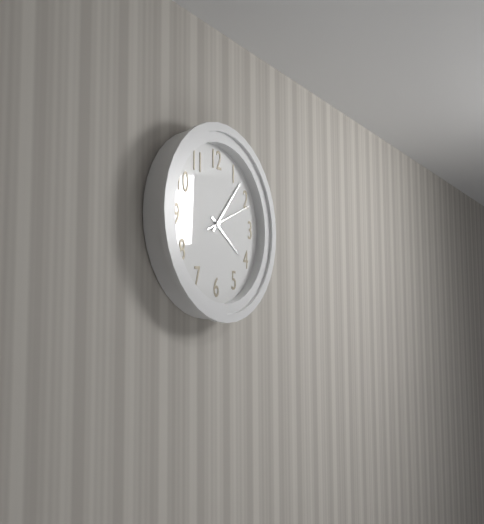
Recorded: 4 h 07 min
